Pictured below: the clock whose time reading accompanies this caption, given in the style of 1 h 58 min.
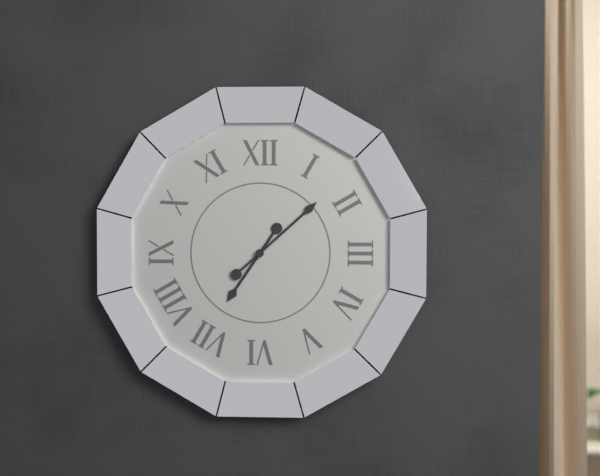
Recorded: 7 h 08 min
